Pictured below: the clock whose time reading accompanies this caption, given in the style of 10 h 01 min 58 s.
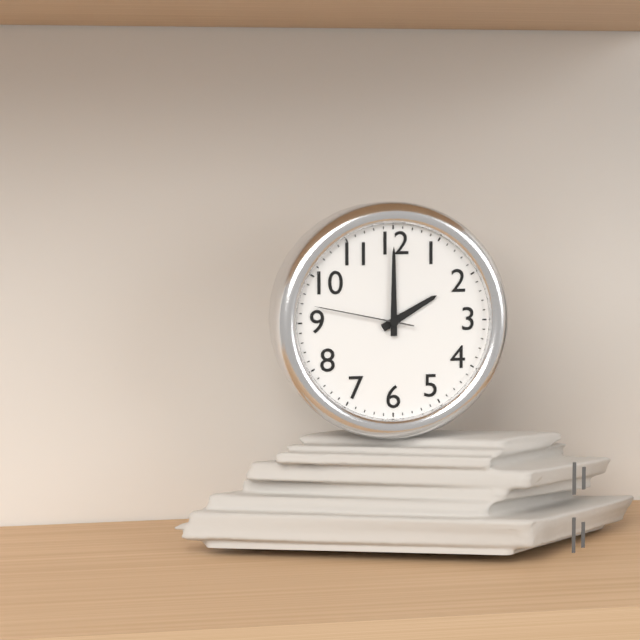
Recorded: 2 h 00 min 47 s
